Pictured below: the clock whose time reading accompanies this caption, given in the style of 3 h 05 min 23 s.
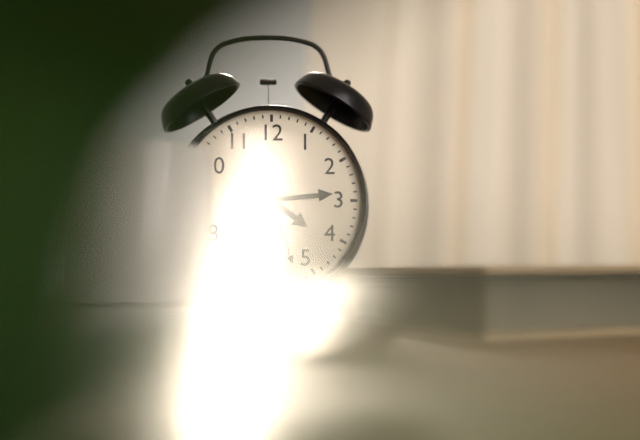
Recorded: 4 h 14 min 27 s
